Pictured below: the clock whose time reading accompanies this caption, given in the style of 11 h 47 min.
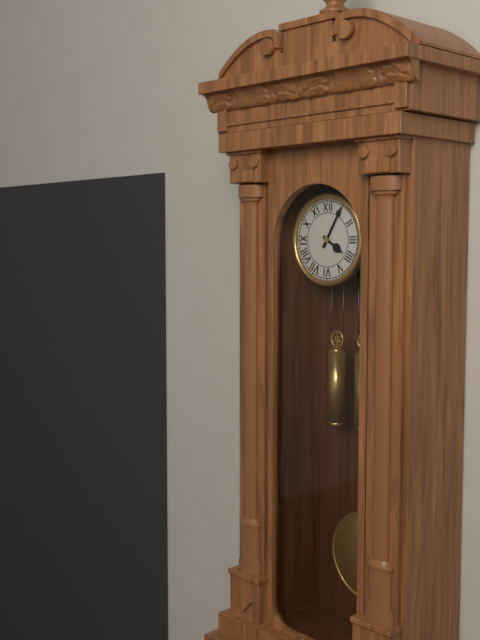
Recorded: 4 h 05 min
